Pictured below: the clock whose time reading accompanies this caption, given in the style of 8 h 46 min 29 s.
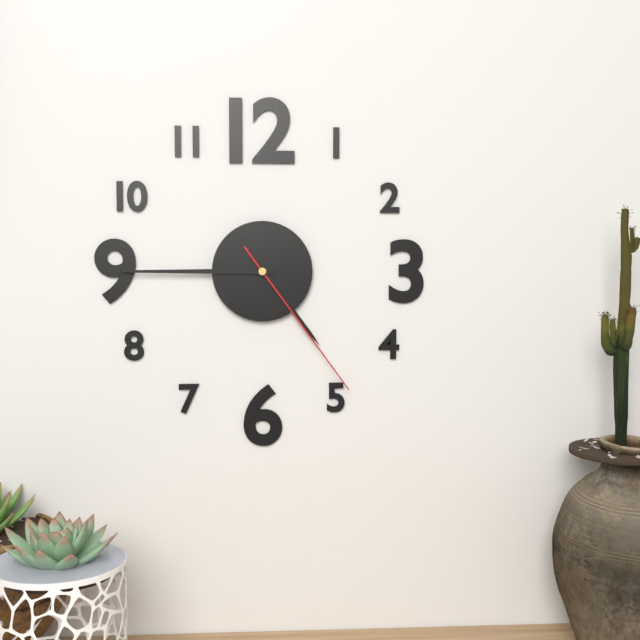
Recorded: 4 h 45 min 24 s
